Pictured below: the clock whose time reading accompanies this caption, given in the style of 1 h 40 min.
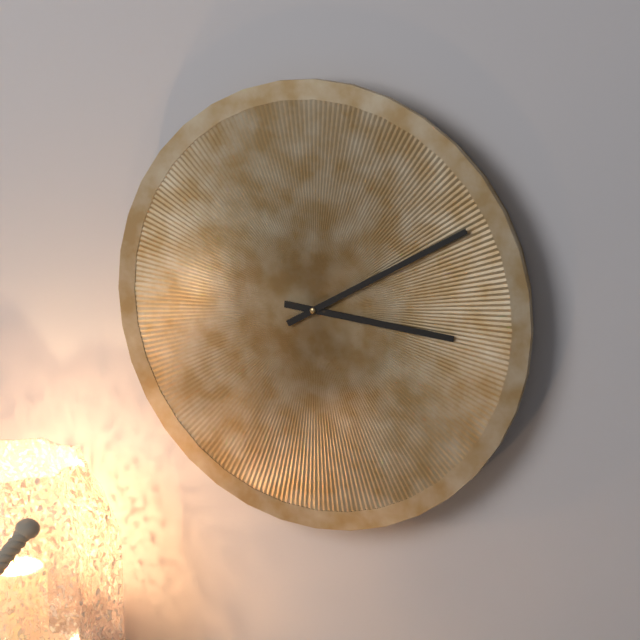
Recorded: 3 h 10 min
